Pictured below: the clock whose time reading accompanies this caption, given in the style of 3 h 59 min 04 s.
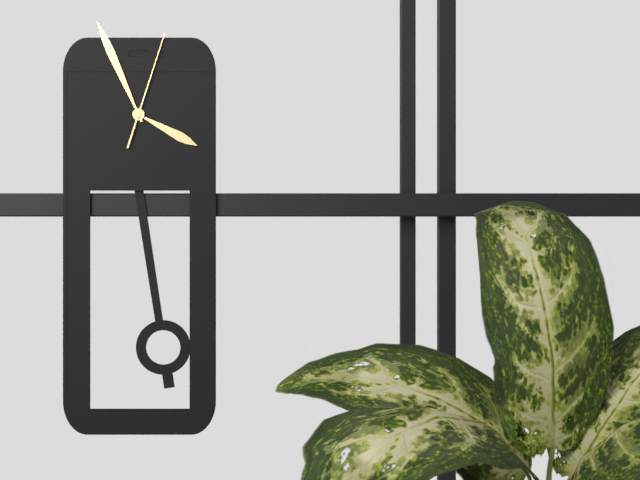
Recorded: 3 h 56 min 03 s
